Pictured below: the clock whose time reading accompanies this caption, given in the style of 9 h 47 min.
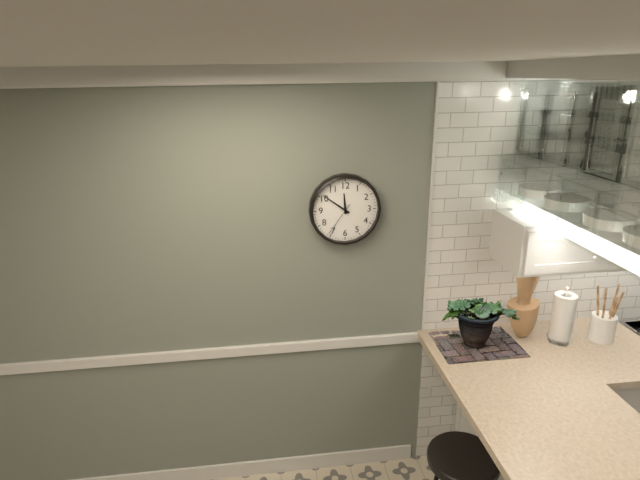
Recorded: 11 h 51 min
